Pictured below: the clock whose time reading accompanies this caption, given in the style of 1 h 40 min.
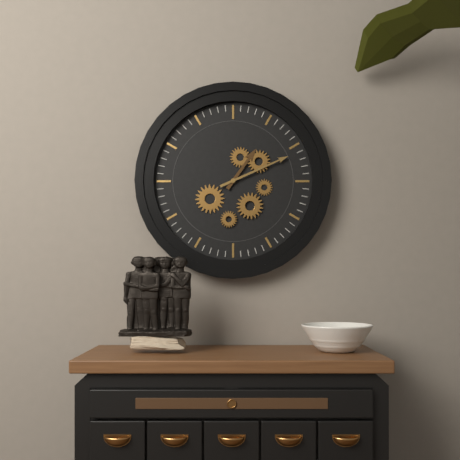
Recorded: 1 h 11 min
